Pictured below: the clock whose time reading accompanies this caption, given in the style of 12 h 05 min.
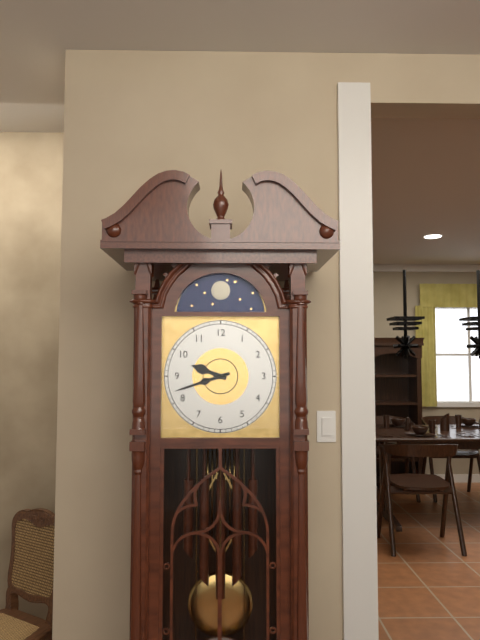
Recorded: 9 h 42 min
